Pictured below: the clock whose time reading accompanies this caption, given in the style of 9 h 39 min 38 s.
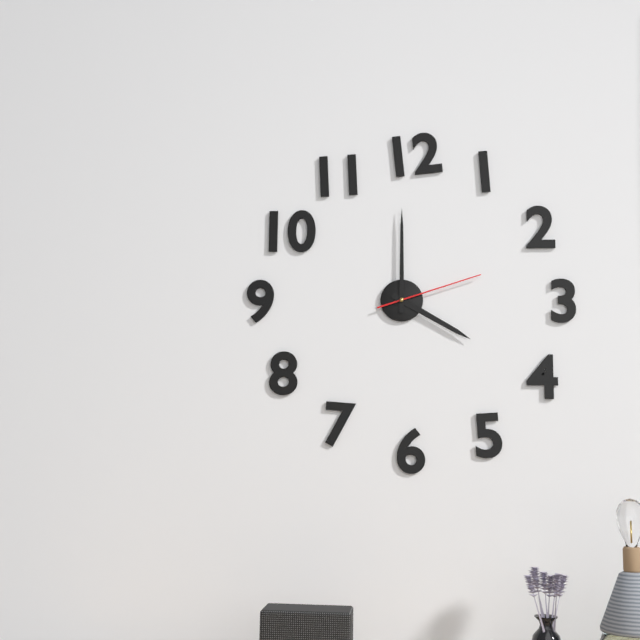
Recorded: 4 h 00 min 12 s
